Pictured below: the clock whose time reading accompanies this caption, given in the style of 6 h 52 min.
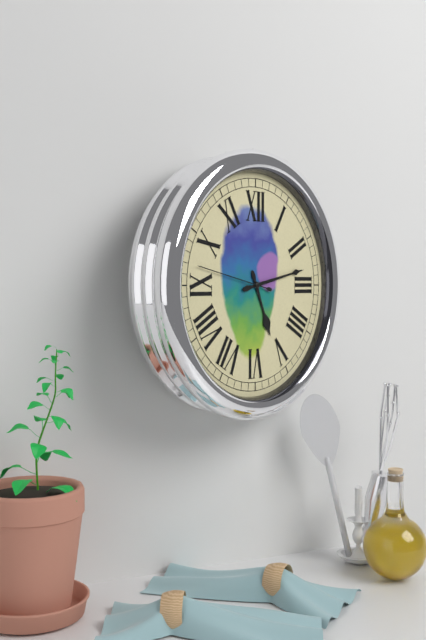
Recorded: 5 h 13 min
